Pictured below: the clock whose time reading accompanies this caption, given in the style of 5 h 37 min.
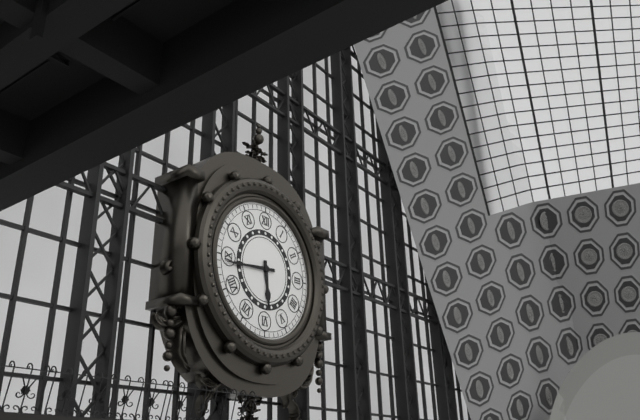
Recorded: 5 h 44 min
